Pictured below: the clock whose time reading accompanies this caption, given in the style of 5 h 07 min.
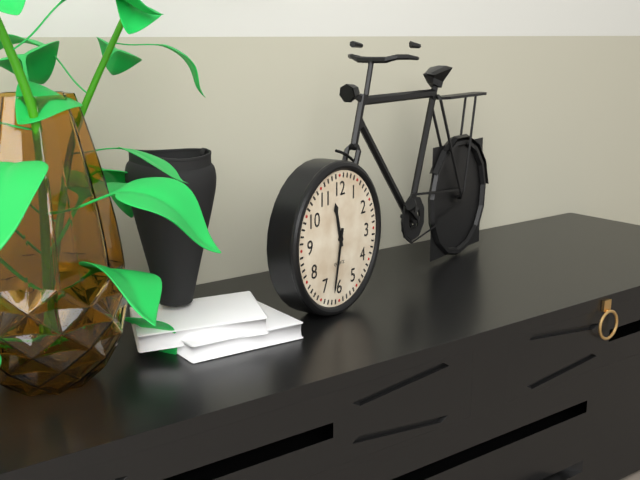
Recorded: 11 h 32 min
